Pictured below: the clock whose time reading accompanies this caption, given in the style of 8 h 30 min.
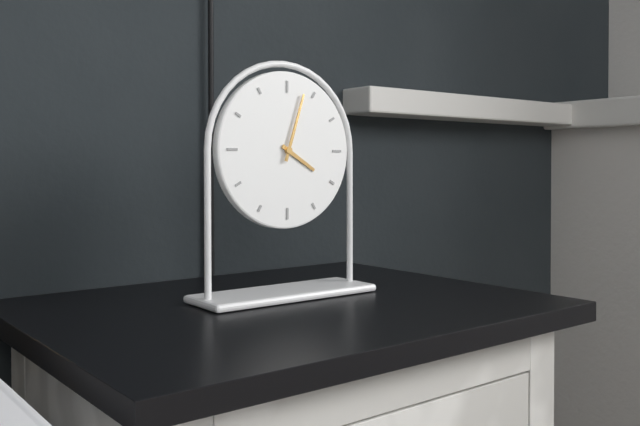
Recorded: 4 h 03 min
